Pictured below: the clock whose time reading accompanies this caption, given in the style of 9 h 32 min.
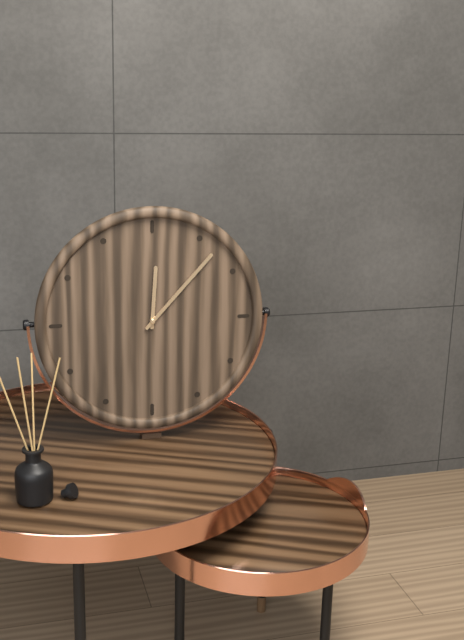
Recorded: 12 h 07 min
